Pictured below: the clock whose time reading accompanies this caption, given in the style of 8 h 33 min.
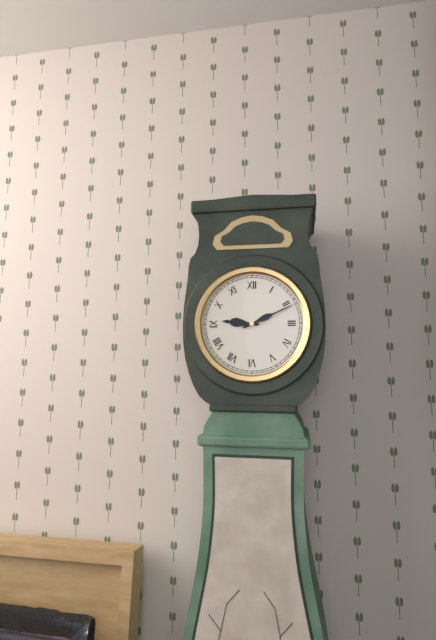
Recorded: 9 h 11 min
